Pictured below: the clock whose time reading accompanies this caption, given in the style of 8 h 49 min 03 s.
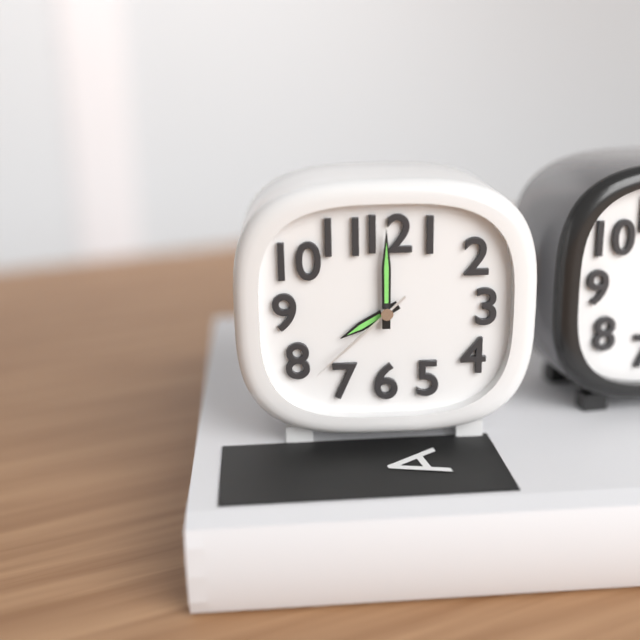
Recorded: 8 h 00 min 38 s
